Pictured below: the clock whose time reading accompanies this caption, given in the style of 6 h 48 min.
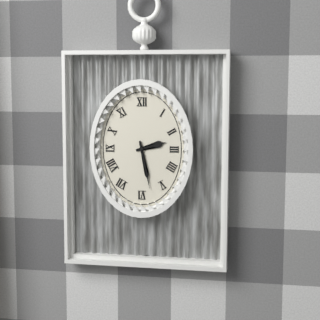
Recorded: 2 h 28 min
